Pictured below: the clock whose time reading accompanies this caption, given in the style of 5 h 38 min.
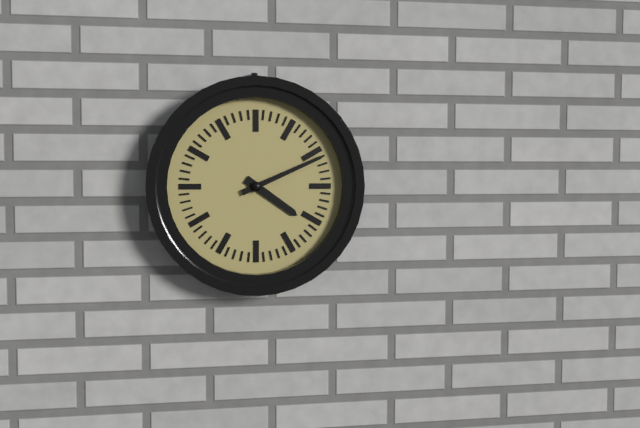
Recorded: 4 h 11 min
